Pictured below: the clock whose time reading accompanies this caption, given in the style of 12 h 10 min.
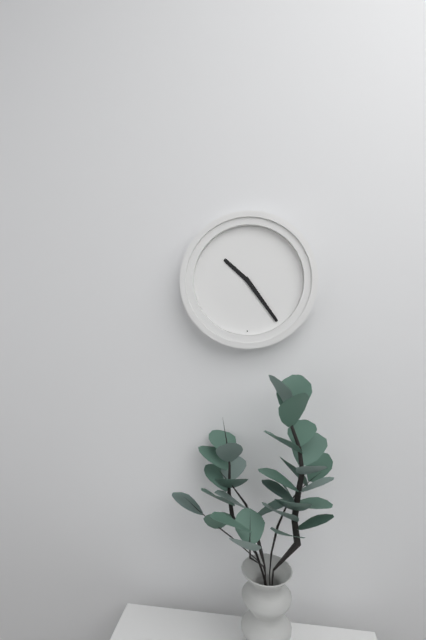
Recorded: 10 h 24 min
